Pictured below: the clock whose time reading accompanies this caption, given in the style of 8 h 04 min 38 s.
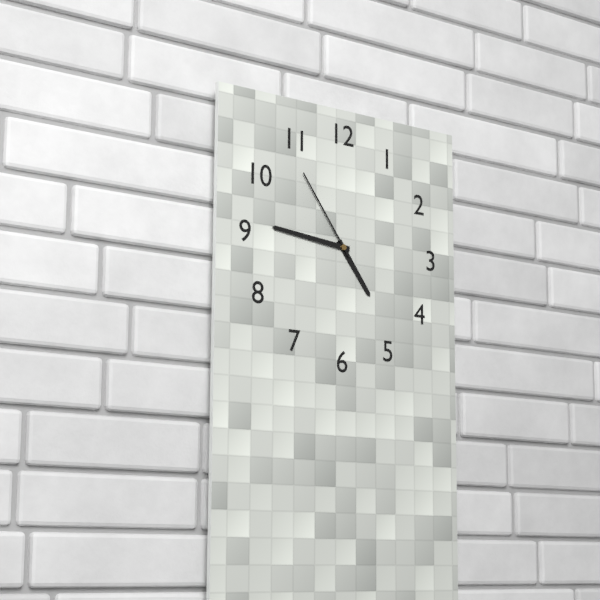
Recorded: 4 h 46 min 54 s
